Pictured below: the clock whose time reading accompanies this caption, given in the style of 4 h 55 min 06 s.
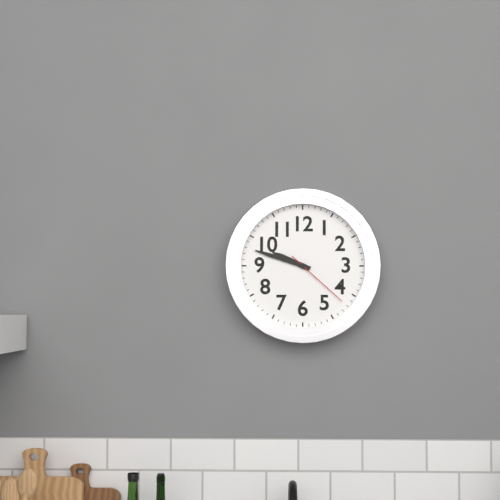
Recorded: 9 h 48 min 22 s
